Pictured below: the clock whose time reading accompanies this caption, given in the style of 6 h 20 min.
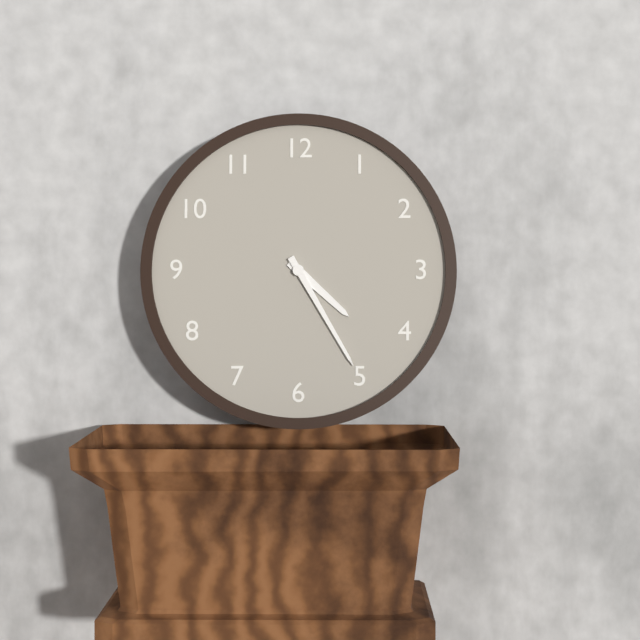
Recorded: 4 h 25 min
